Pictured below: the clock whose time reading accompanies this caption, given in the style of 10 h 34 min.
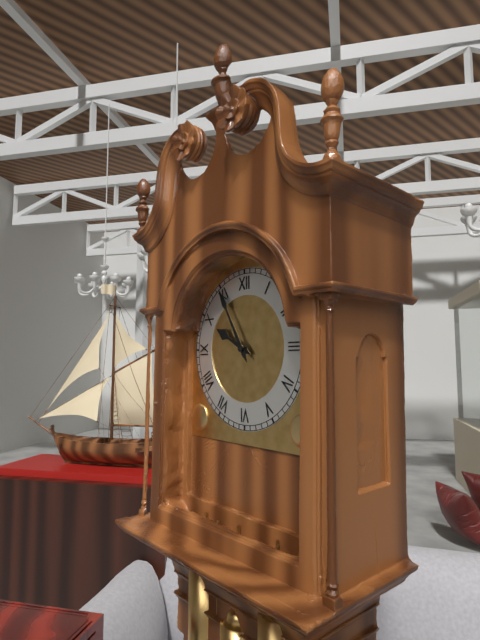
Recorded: 9 h 55 min
